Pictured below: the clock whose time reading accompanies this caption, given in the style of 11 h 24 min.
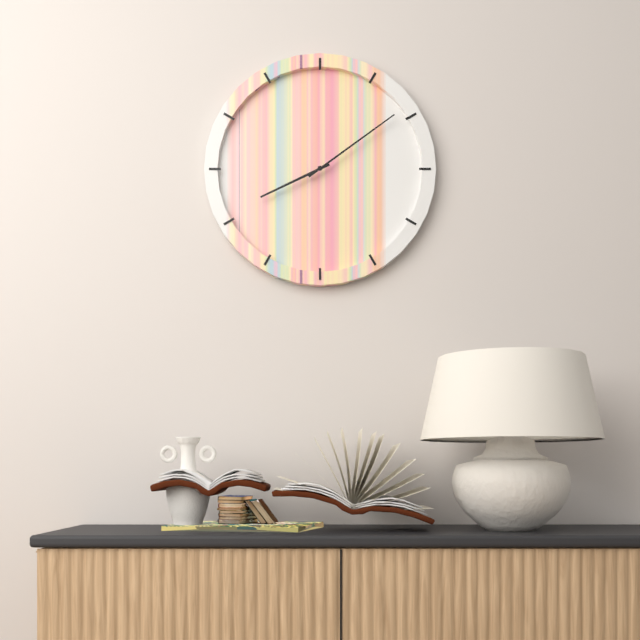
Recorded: 8 h 09 min
